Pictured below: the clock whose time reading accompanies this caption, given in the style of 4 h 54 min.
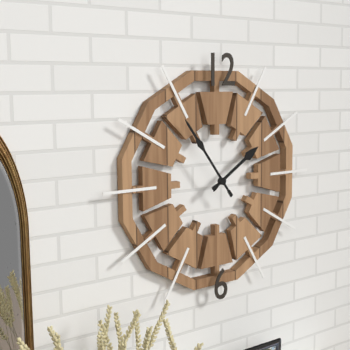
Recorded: 1 h 54 min
